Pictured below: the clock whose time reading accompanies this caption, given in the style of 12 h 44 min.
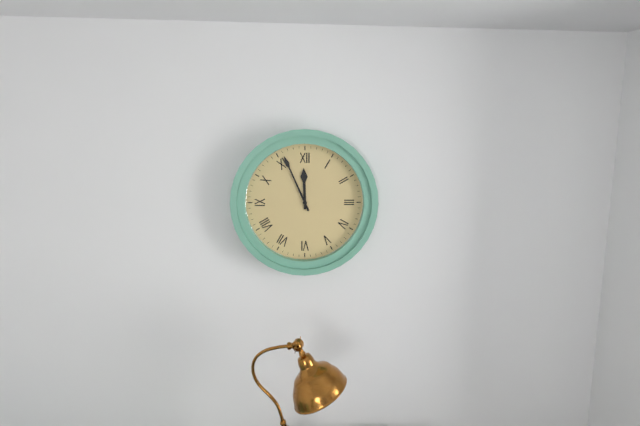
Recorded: 11 h 56 min
